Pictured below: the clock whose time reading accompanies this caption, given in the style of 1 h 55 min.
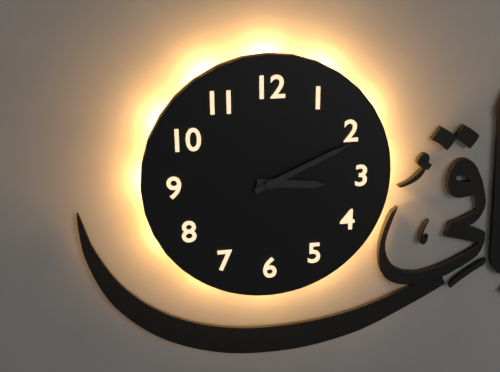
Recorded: 3 h 11 min
